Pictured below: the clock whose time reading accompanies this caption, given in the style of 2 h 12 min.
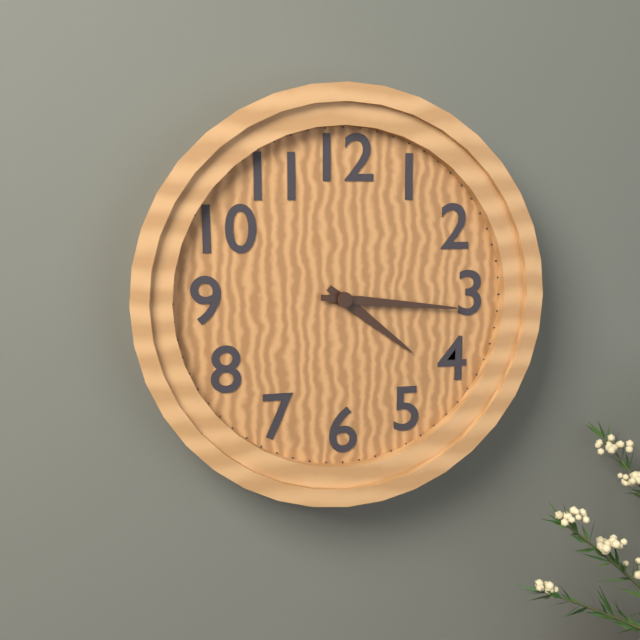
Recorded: 4 h 16 min
